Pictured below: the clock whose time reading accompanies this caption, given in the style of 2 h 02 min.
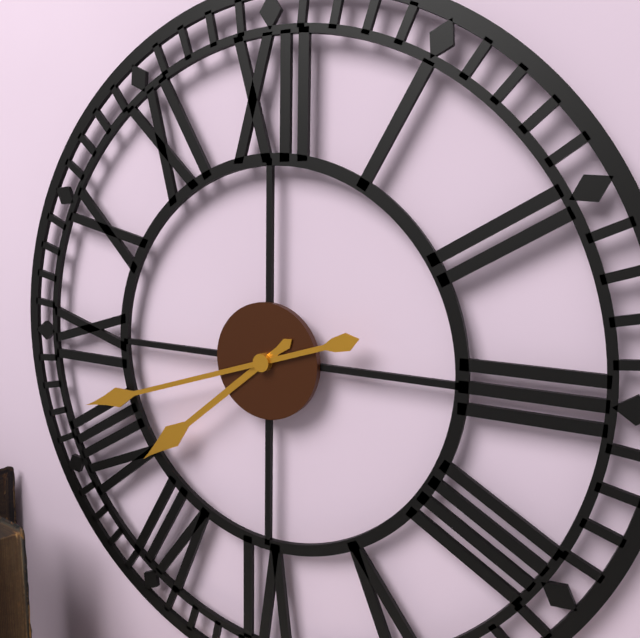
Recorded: 7 h 42 min
